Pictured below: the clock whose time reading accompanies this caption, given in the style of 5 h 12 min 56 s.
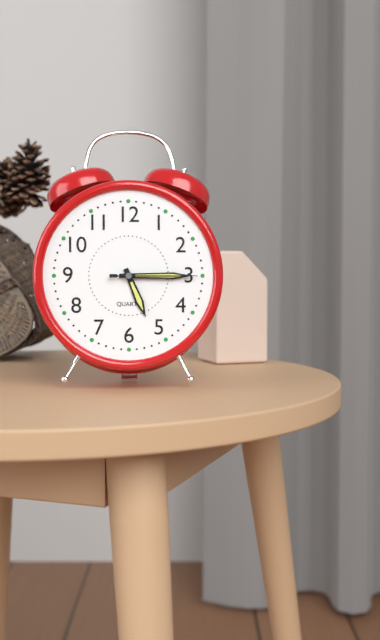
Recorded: 5 h 15 min 15 s
